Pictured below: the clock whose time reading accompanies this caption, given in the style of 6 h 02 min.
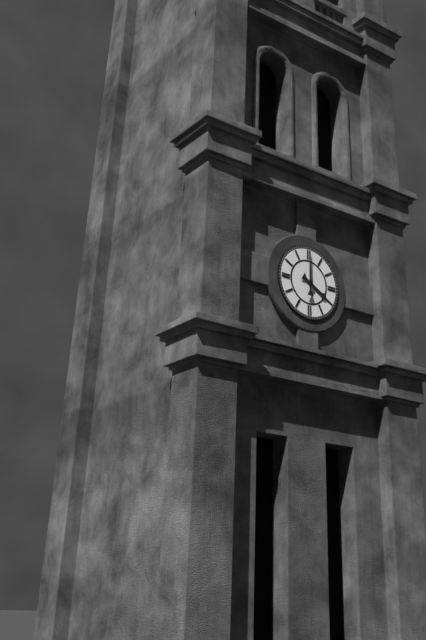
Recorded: 4 h 00 min
